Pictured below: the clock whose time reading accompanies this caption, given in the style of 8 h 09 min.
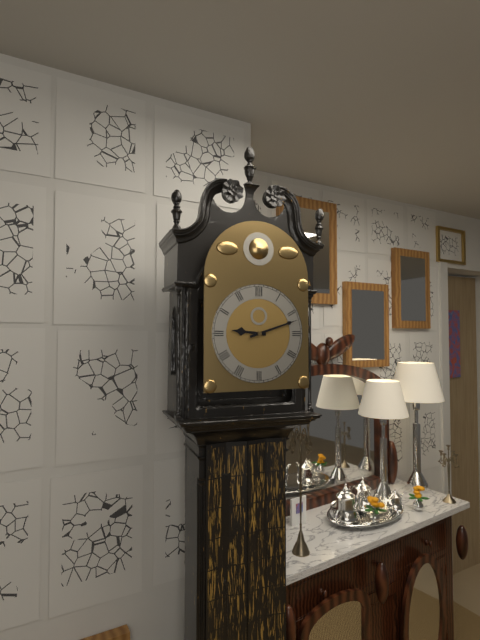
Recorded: 9 h 12 min
